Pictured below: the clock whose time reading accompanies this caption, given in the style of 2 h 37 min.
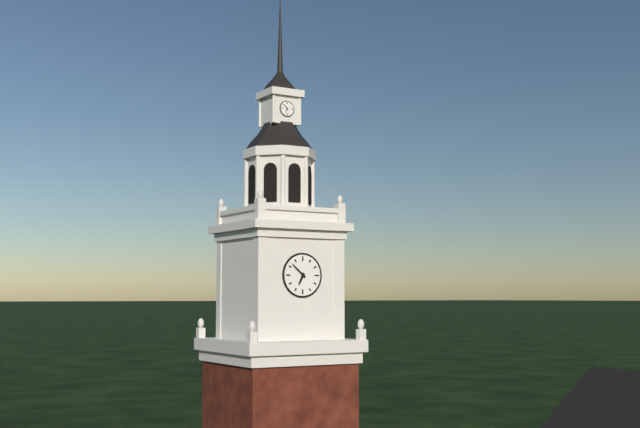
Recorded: 6 h 52 min
